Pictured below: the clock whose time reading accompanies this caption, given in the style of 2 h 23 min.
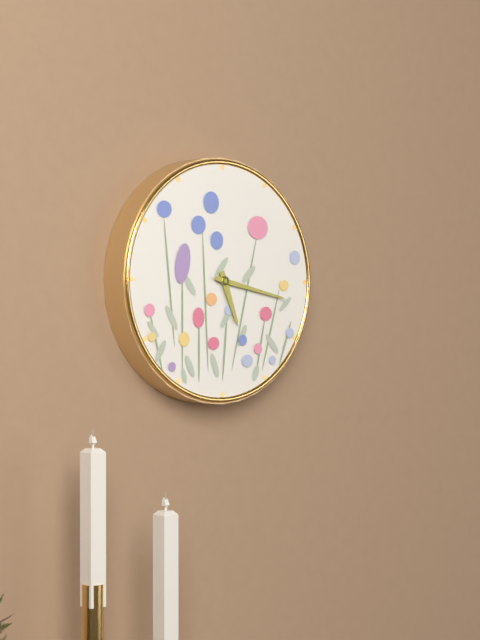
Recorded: 5 h 17 min
